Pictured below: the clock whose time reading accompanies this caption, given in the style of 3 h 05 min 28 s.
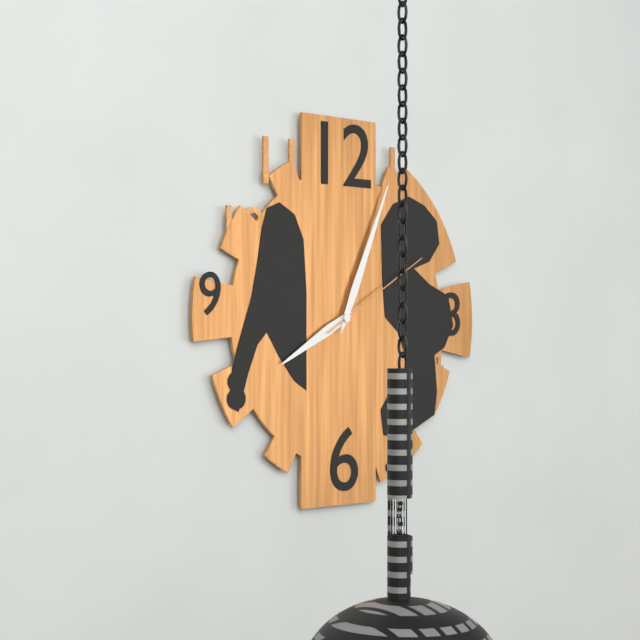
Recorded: 8 h 04 min 10 s
